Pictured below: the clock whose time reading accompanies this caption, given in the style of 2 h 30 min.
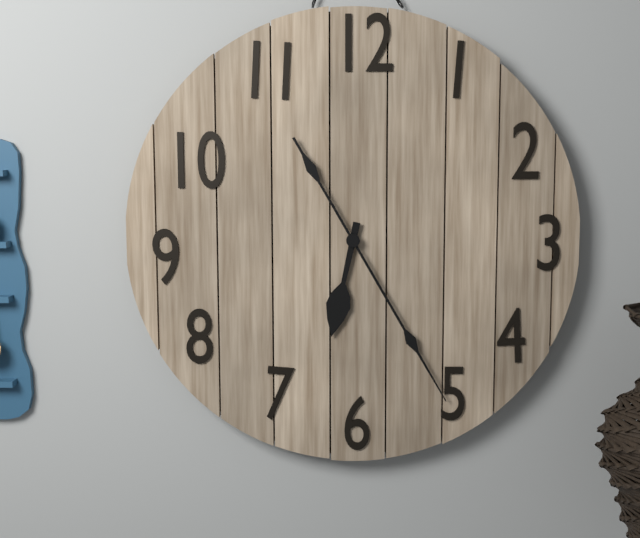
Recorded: 6 h 25 min
